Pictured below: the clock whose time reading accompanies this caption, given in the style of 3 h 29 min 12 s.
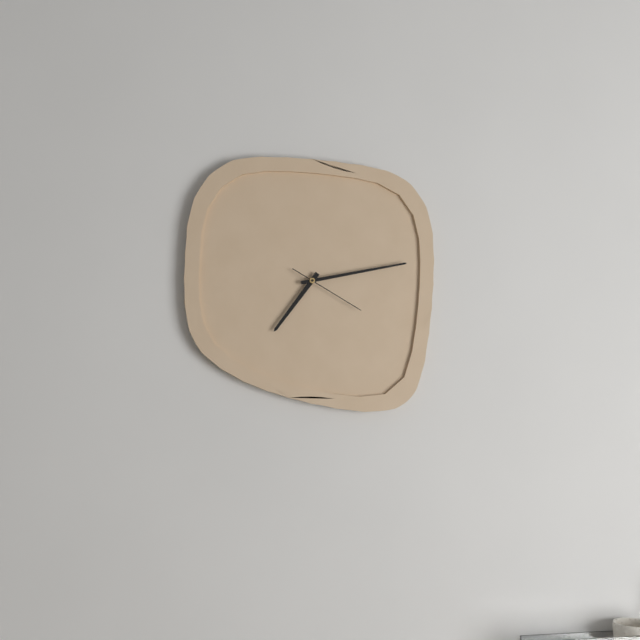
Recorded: 7 h 13 min 20 s
